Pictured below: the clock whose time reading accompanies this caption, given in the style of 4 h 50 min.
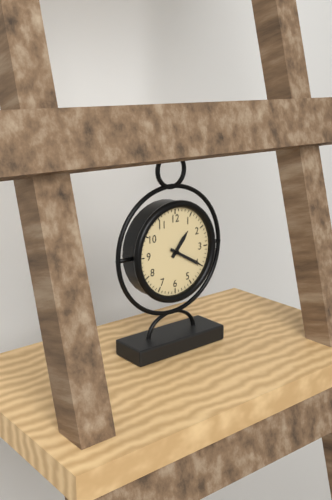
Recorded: 1 h 20 min
